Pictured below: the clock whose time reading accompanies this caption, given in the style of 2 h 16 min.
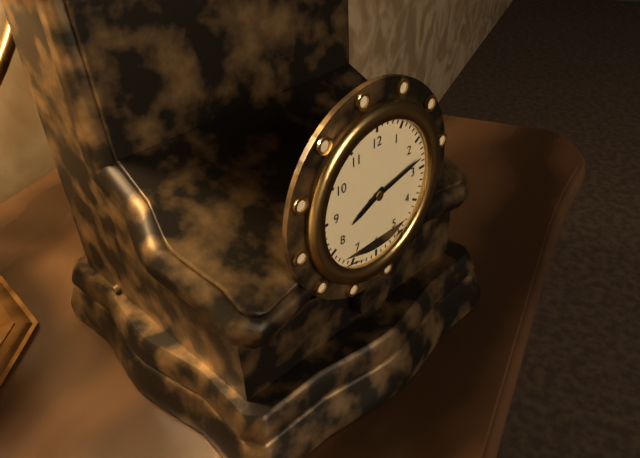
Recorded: 8 h 13 min
